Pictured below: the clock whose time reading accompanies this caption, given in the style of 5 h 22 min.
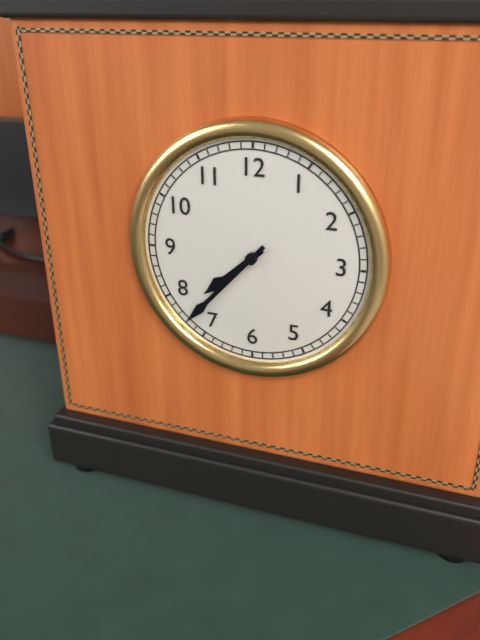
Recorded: 7 h 37 min
